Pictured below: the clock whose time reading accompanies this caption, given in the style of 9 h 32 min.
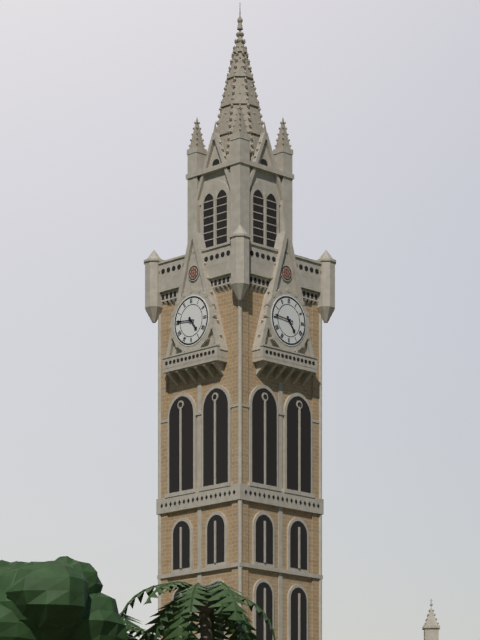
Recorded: 4 h 46 min
